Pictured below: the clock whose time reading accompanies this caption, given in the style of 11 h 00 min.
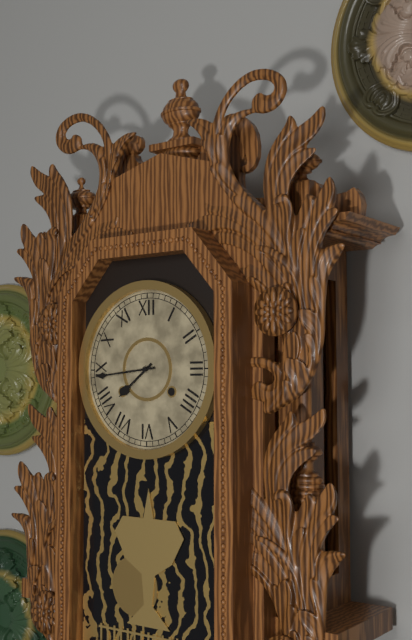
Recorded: 7 h 44 min
